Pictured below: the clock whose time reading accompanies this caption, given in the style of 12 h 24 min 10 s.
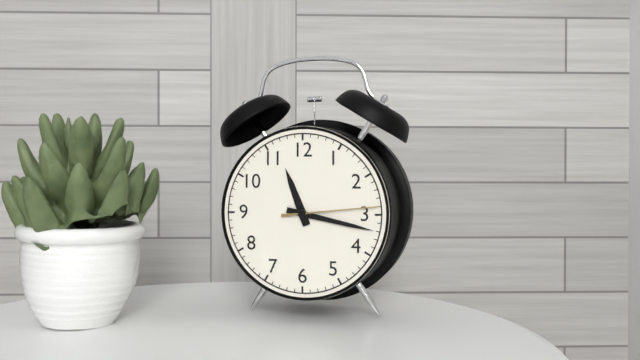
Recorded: 11 h 17 min 14 s
